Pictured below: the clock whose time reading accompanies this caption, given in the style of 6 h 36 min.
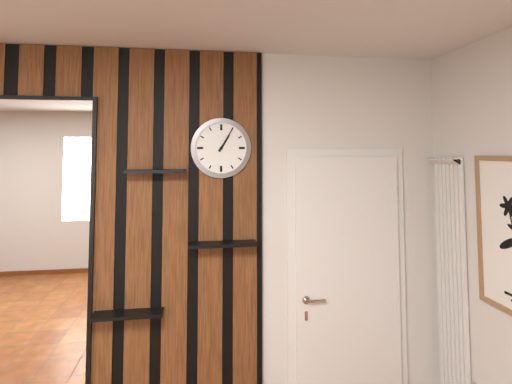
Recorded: 1 h 05 min
